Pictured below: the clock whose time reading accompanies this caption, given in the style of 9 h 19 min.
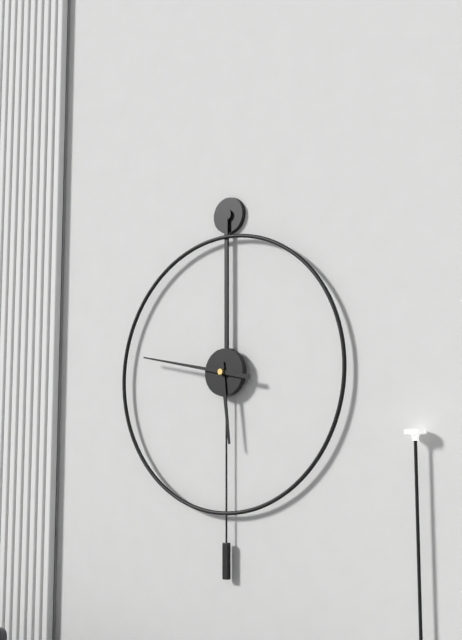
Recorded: 5 h 47 min
